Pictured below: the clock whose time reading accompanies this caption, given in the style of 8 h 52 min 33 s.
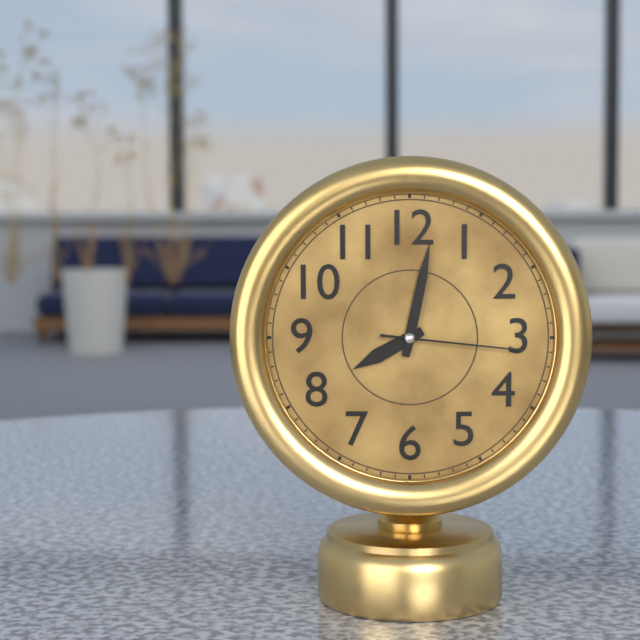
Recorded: 8 h 02 min 16 s
